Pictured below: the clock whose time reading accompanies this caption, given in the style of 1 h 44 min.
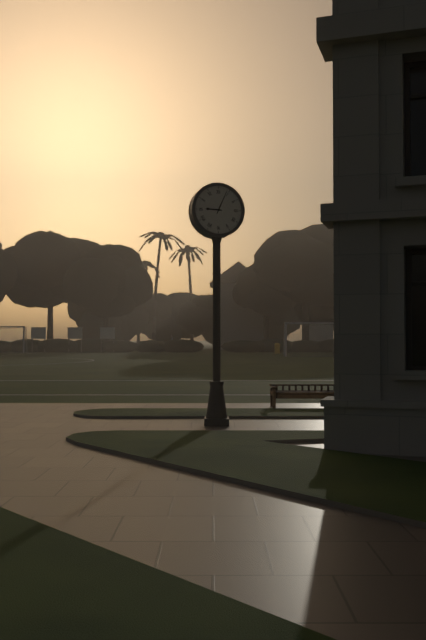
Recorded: 9 h 04 min
